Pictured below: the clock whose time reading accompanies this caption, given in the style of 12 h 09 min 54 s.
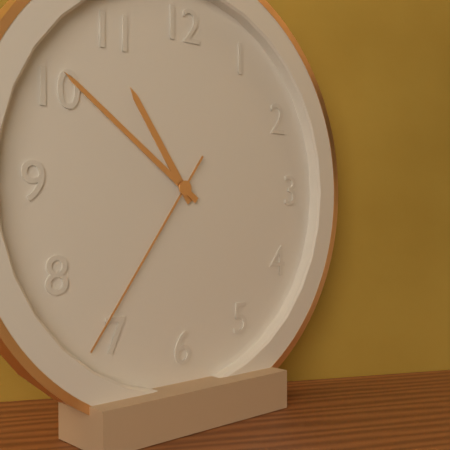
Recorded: 10 h 51 min 36 s
